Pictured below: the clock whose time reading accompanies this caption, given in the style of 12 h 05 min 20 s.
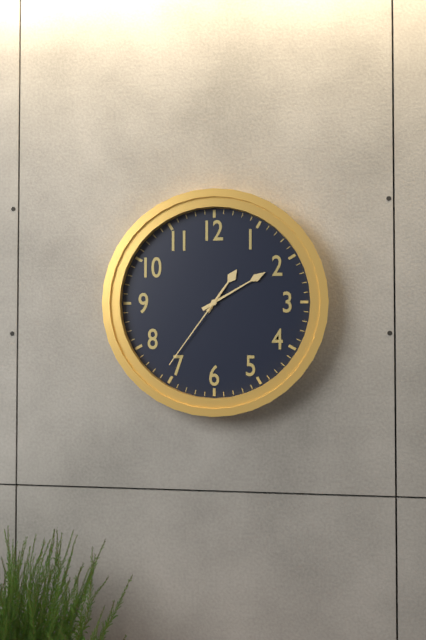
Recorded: 1 h 10 min 36 s
